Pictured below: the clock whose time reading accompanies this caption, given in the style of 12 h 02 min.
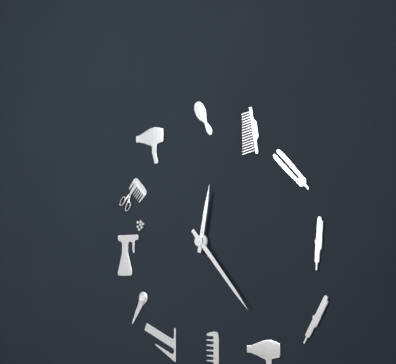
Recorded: 12 h 23 min
